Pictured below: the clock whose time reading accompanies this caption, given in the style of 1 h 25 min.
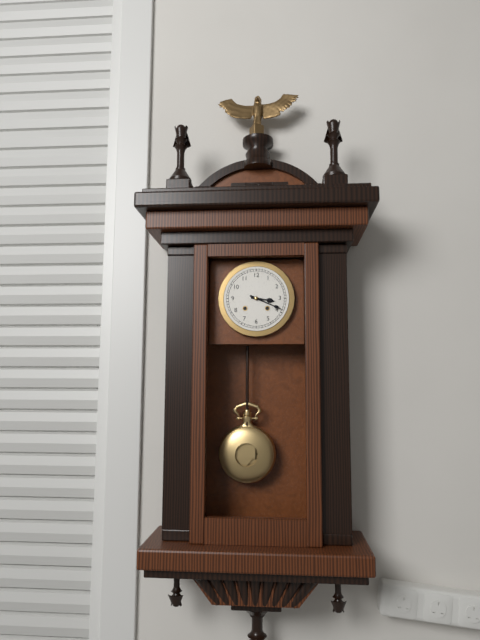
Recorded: 3 h 19 min
